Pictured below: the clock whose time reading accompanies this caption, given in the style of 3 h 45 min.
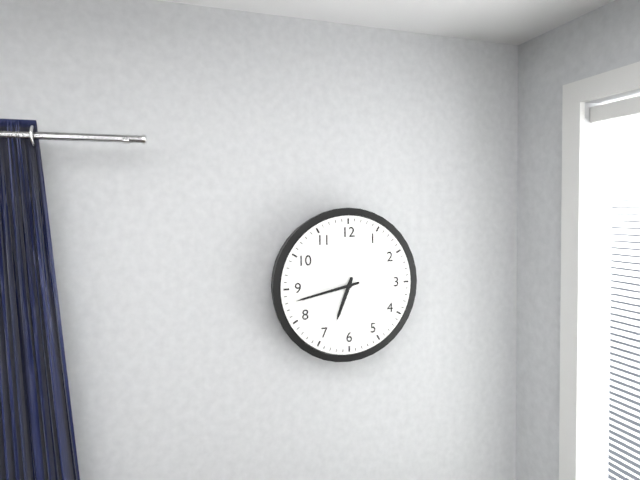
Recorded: 6 h 43 min
